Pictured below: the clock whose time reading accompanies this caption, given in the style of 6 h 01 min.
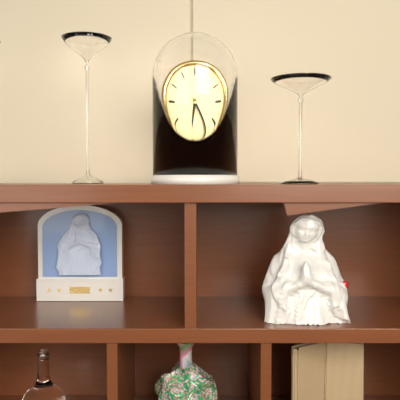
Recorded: 6 h 24 min
